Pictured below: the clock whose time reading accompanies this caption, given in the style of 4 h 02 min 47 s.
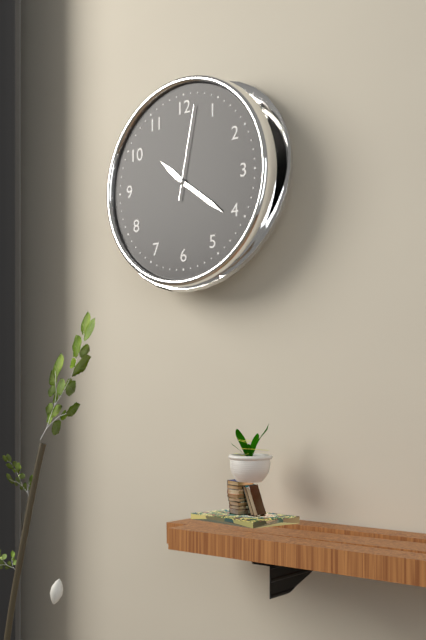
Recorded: 10 h 21 min 02 s
